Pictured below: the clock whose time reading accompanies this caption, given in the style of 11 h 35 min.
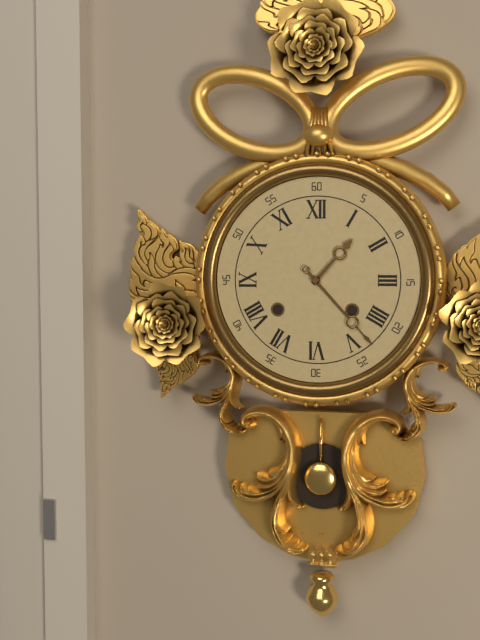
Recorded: 1 h 23 min
